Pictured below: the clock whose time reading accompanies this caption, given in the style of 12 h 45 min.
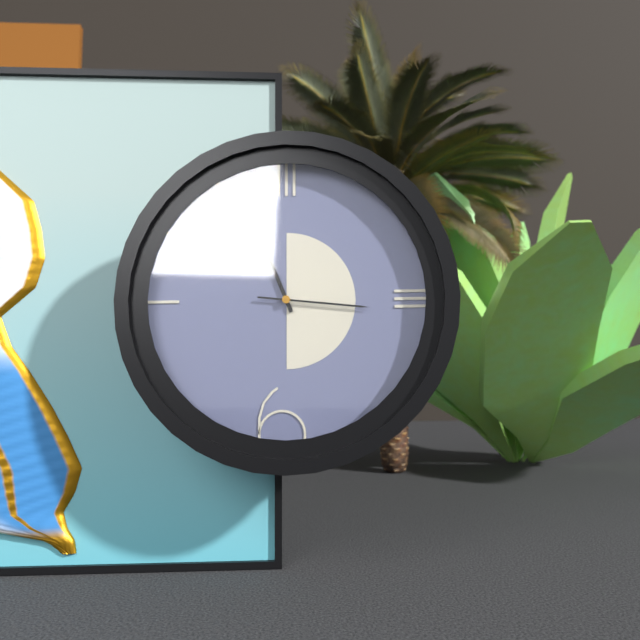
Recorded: 11 h 16 min
